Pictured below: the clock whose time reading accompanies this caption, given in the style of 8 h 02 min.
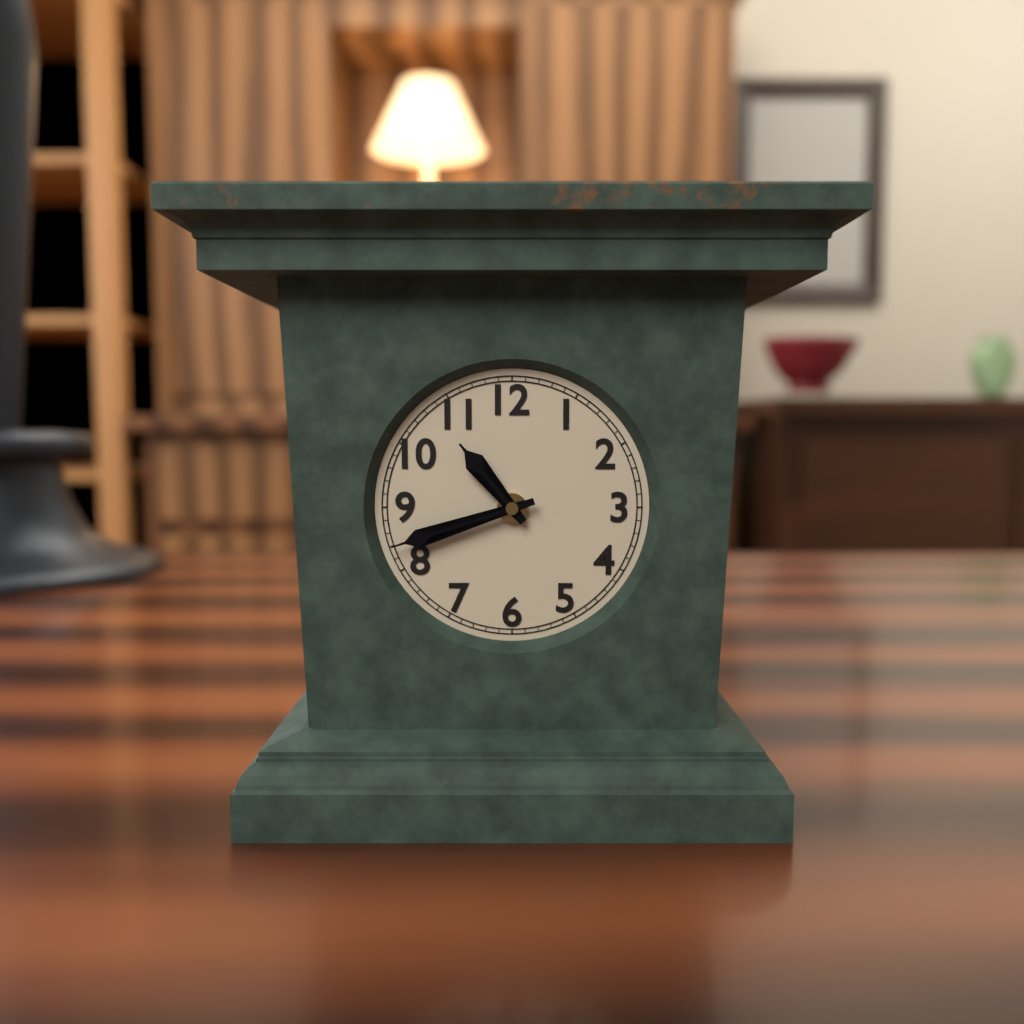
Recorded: 10 h 42 min
